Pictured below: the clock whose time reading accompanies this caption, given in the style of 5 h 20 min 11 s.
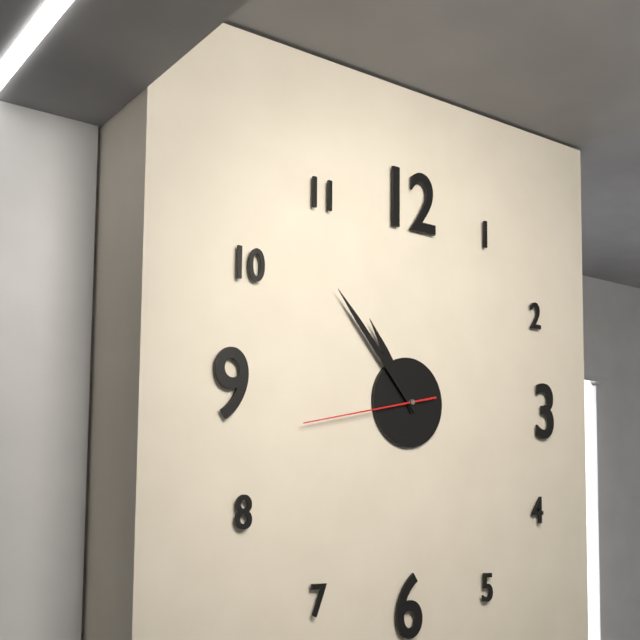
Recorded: 10 h 53 min 43 s
